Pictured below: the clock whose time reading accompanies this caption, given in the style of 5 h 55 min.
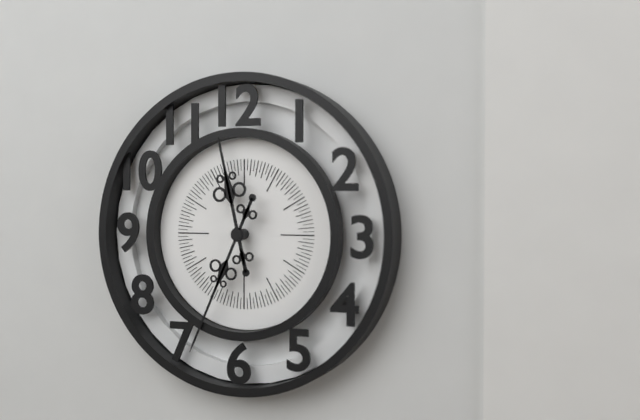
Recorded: 11 h 34 min
